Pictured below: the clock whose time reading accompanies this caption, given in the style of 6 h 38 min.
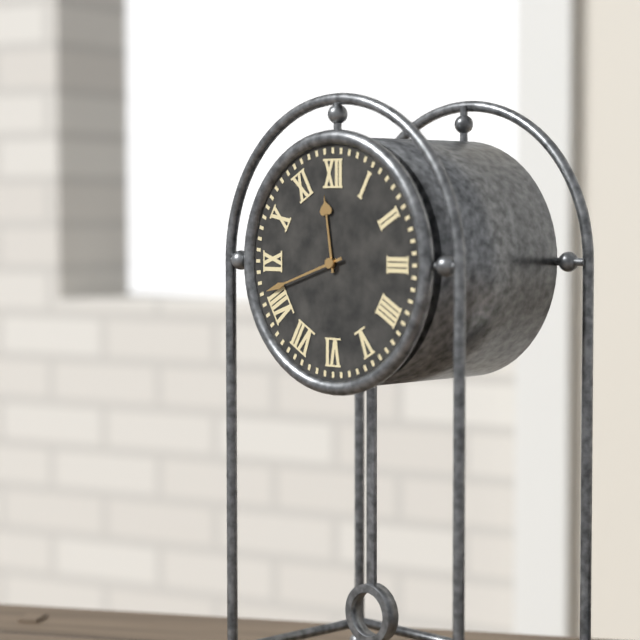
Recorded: 11 h 42 min
